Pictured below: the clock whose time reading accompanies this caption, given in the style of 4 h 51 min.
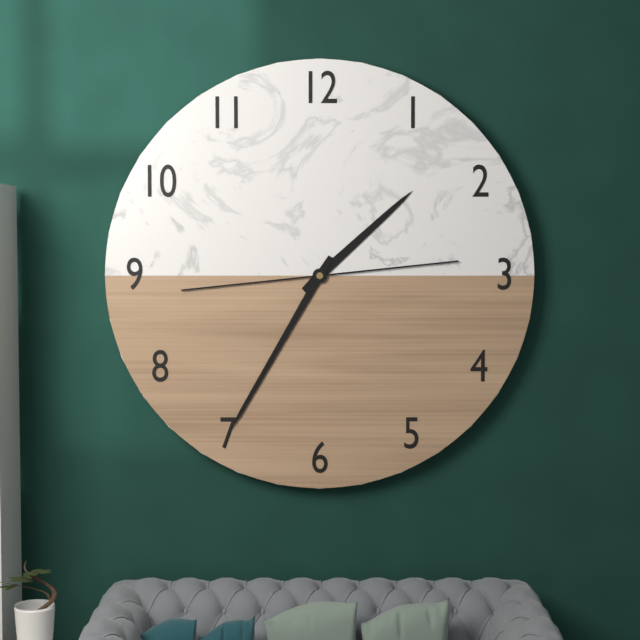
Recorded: 1 h 35 min
